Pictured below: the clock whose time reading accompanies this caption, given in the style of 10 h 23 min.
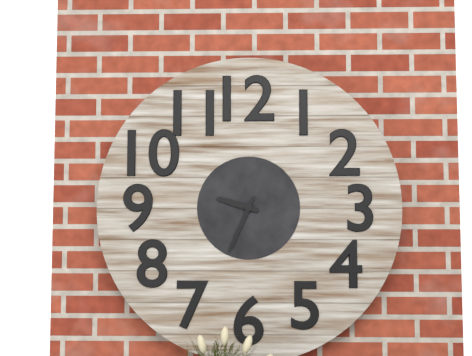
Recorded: 9 h 34 min
